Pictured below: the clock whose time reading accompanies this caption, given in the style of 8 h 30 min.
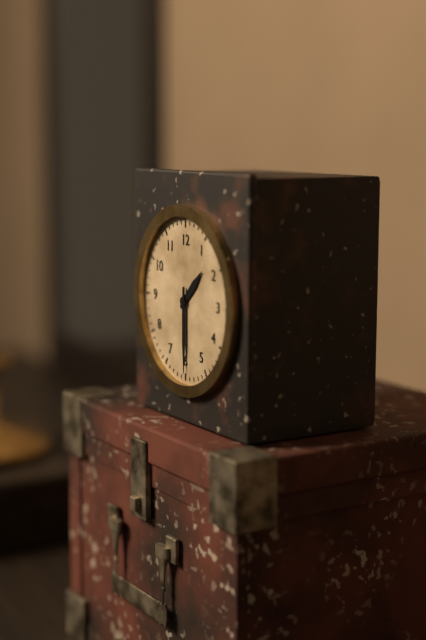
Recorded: 1 h 30 min
